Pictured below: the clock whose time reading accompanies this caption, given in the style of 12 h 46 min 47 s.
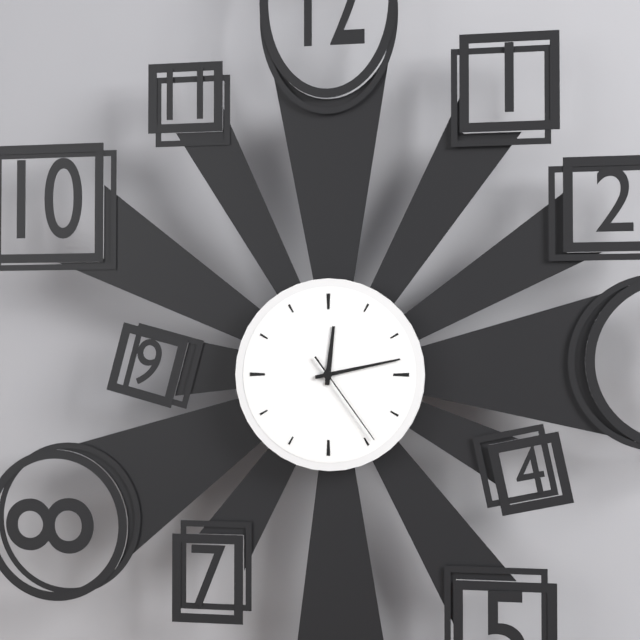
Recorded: 12 h 13 min 24 s
